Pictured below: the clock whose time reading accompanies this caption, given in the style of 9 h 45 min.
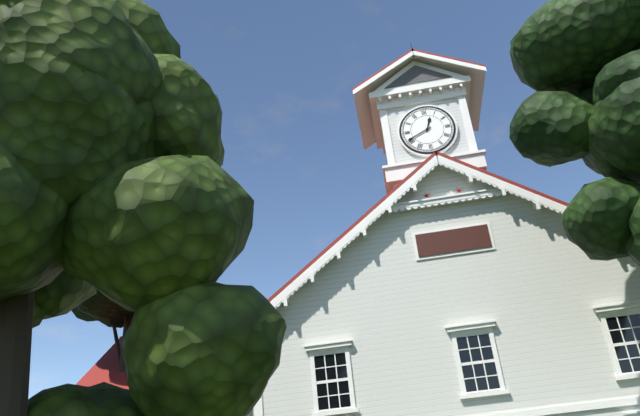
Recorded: 12 h 41 min
